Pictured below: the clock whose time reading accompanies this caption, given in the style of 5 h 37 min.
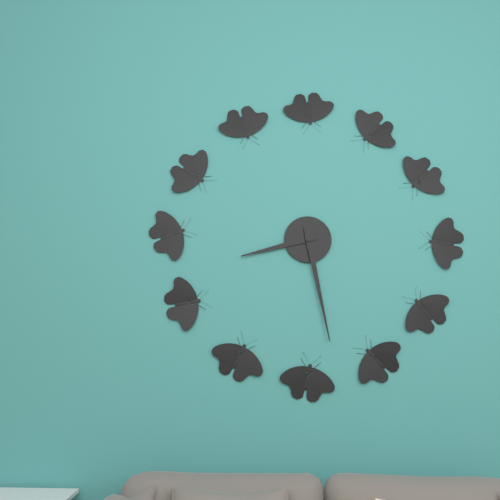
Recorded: 8 h 28 min
